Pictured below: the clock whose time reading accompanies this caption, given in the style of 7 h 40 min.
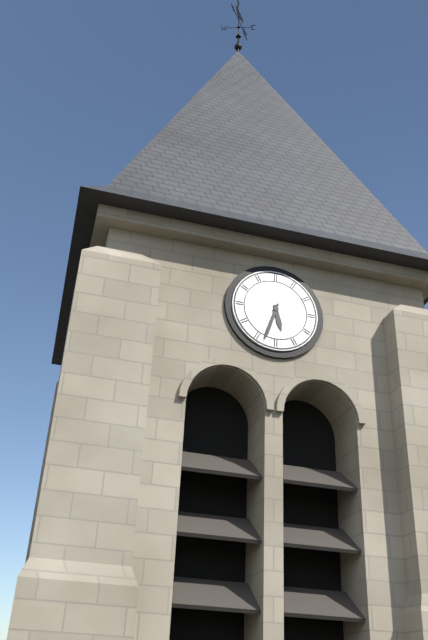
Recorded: 5 h 33 min
